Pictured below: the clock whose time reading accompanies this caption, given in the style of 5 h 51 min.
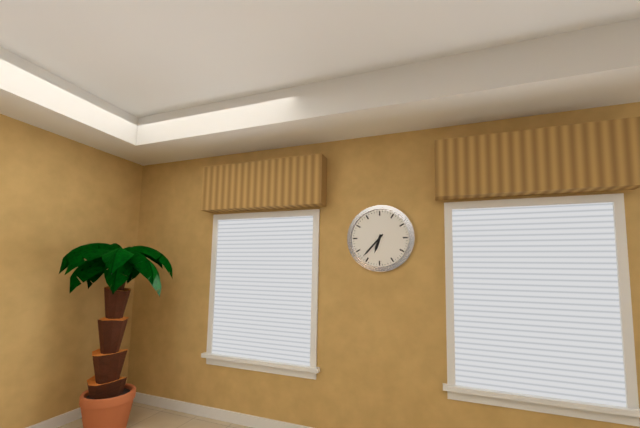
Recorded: 6 h 37 min
